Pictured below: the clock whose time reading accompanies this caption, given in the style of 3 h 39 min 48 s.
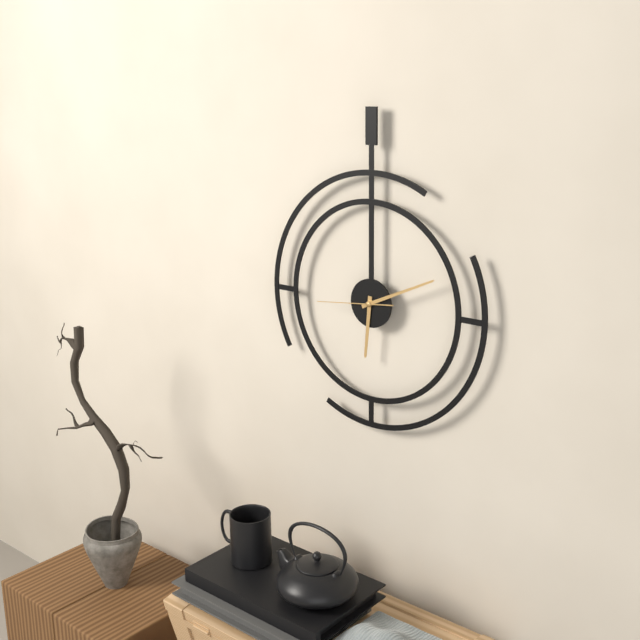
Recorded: 6 h 11 min 44 s
